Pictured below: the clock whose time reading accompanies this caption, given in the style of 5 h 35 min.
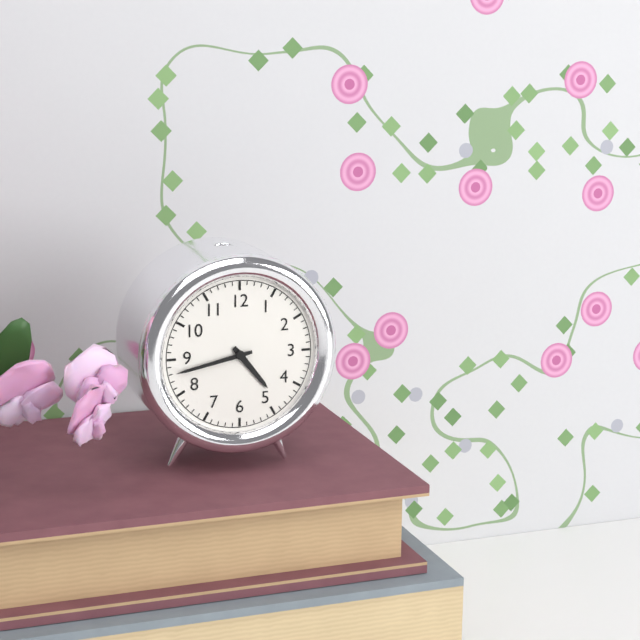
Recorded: 4 h 43 min
